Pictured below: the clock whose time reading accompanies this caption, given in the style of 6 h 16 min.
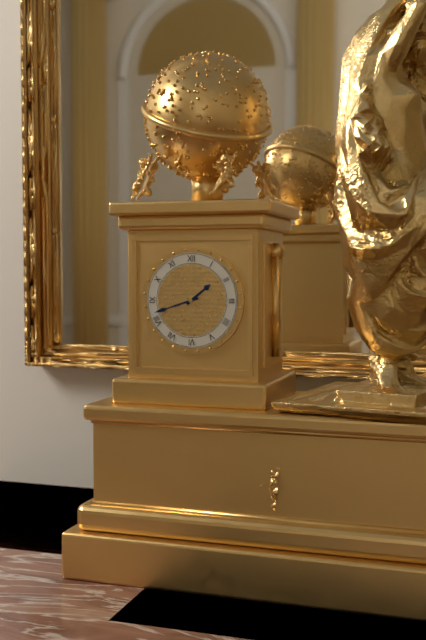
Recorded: 1 h 42 min
